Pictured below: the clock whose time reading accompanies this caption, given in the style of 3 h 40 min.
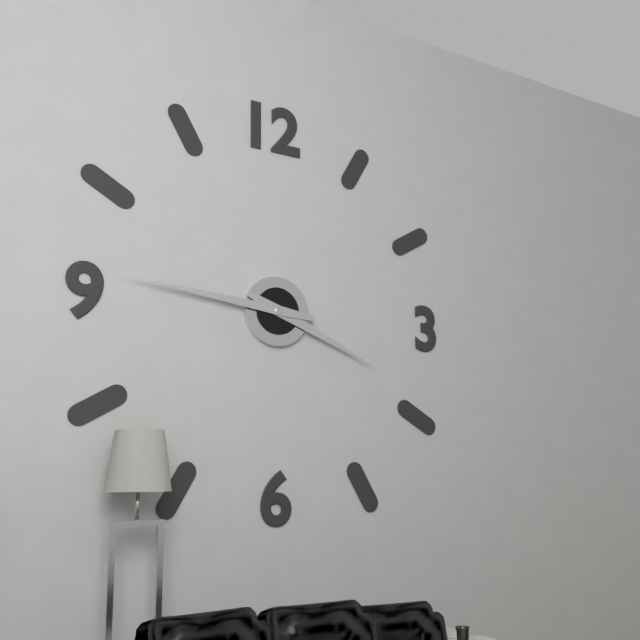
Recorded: 3 h 46 min
